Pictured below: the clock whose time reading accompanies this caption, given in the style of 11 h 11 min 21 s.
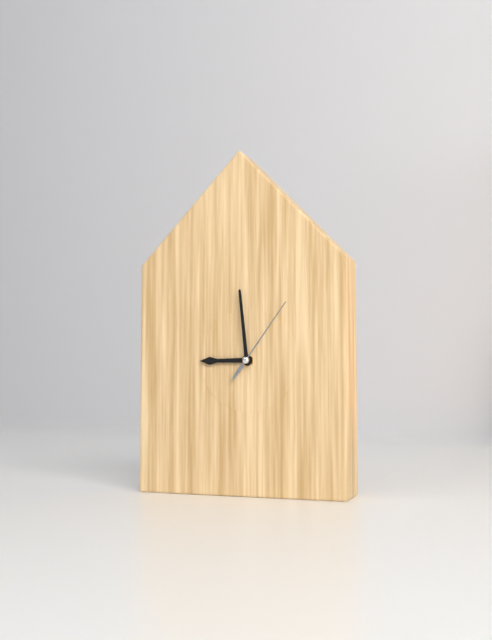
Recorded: 8 h 59 min 06 s
